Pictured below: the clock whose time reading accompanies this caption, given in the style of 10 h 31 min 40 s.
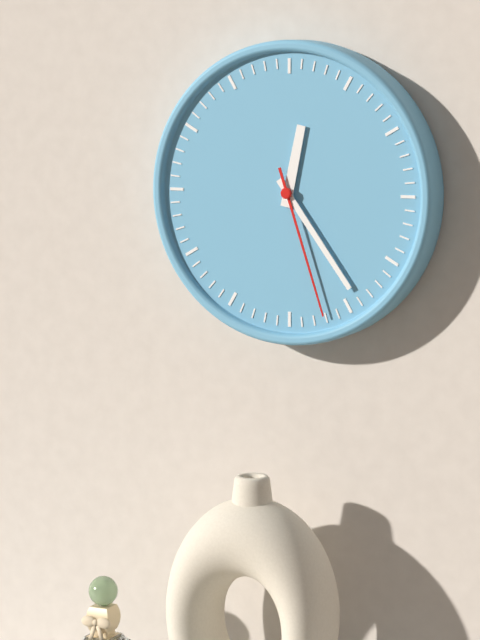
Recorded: 12 h 24 min 27 s
